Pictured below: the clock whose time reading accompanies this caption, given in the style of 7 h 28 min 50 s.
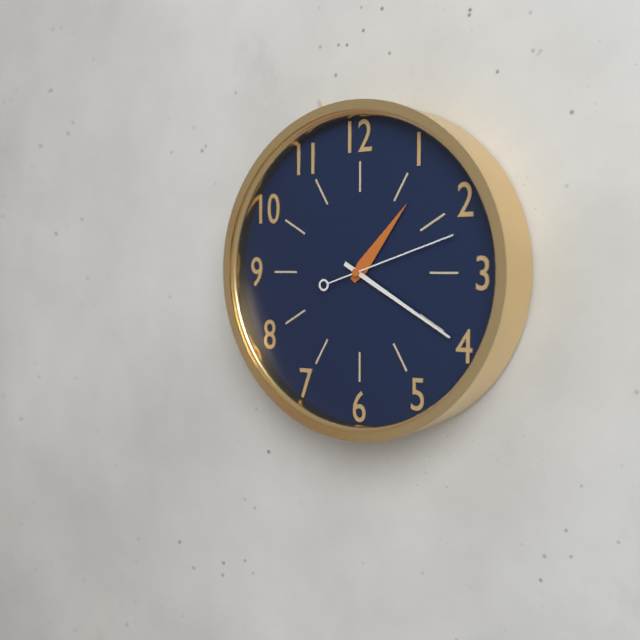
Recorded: 1 h 20 min 12 s
